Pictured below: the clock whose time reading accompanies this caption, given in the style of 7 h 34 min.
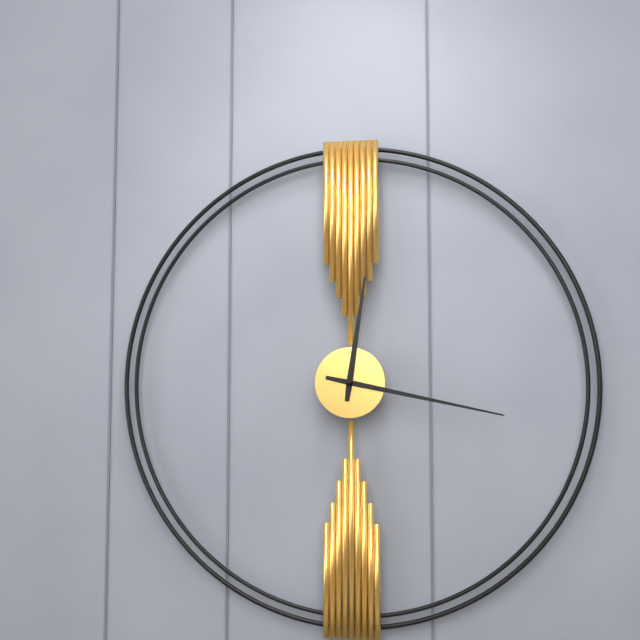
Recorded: 12 h 17 min
